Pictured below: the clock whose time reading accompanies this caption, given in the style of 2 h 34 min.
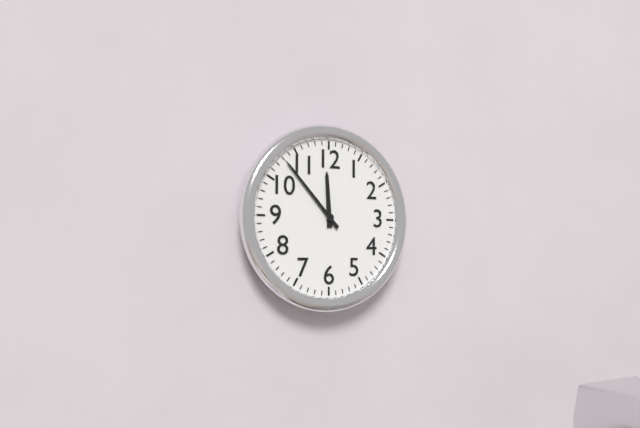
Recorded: 11 h 53 min
